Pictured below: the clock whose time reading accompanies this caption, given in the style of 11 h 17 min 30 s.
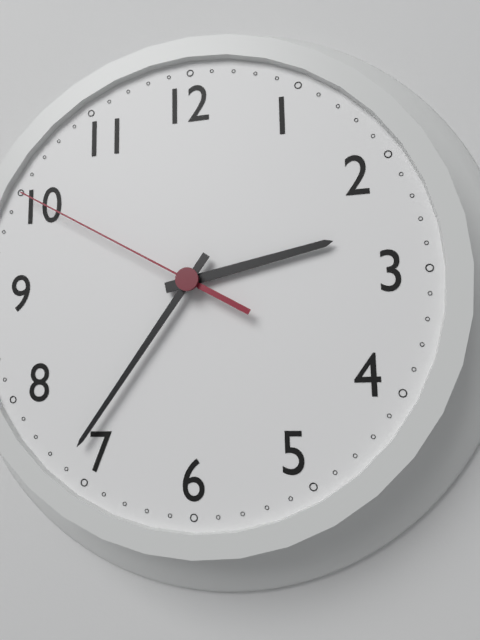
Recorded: 2 h 36 min 50 s
